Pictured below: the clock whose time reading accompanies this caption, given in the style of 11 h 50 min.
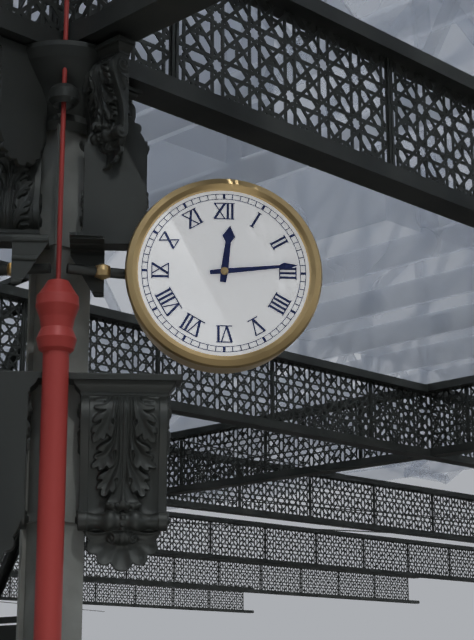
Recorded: 12 h 14 min
